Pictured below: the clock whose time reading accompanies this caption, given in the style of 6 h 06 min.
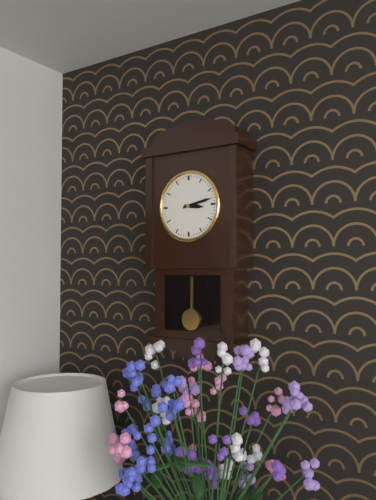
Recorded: 3 h 13 min
